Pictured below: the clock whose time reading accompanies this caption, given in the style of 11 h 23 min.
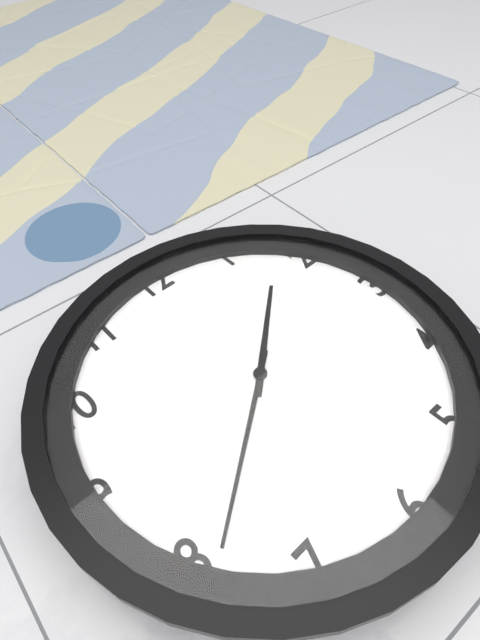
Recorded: 1 h 39 min
